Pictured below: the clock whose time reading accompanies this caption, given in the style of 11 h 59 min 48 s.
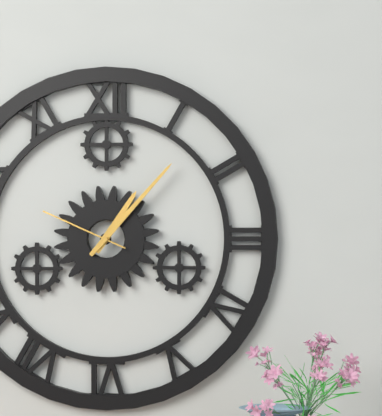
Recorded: 1 h 07 min 49 s
